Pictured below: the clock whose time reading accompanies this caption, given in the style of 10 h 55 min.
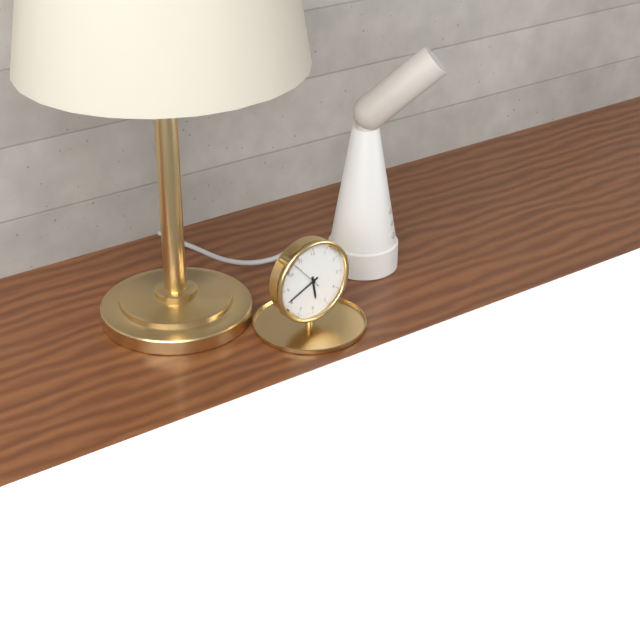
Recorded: 5 h 41 min
